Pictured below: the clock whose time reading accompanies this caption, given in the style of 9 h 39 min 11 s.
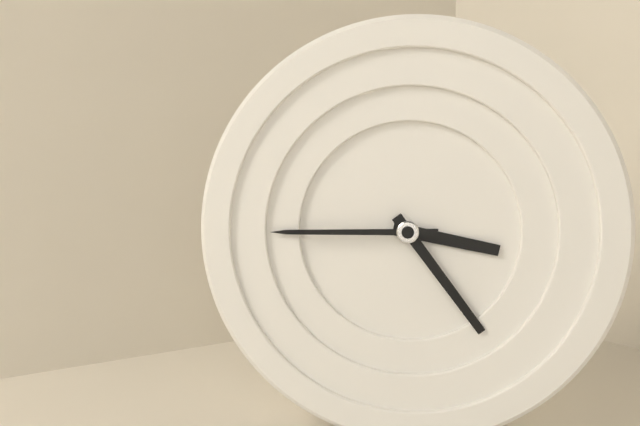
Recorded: 3 h 24 min 45 s
